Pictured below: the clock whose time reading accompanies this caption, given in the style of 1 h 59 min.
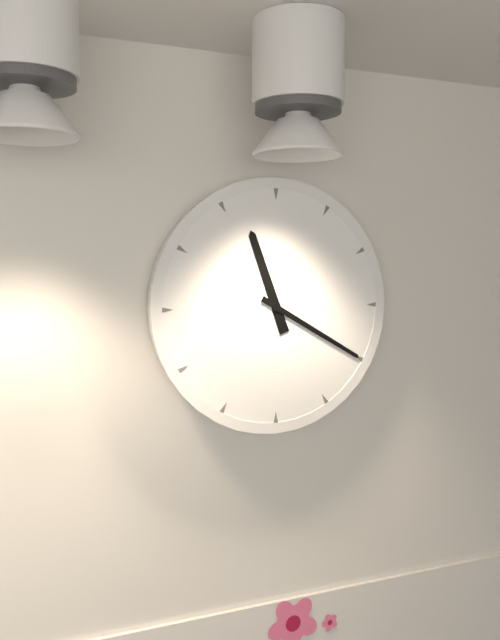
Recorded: 11 h 20 min
